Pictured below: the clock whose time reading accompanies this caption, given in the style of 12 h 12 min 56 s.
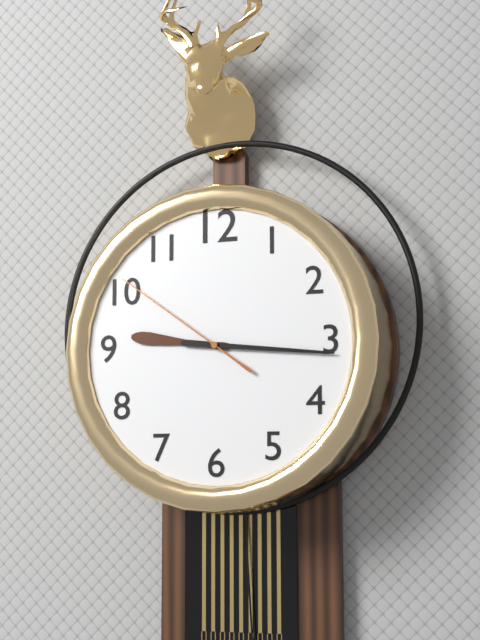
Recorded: 9 h 16 min 51 s
